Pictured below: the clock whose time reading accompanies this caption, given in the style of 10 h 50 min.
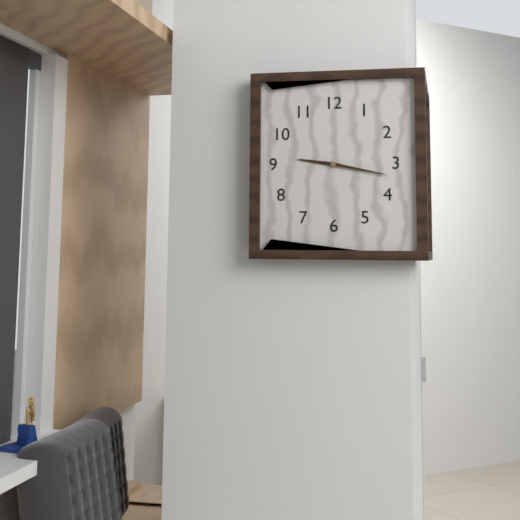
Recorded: 9 h 17 min
